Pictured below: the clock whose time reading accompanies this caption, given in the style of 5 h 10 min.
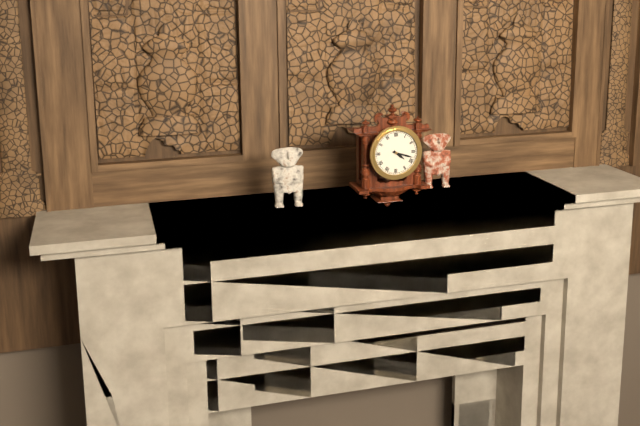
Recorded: 4 h 18 min
